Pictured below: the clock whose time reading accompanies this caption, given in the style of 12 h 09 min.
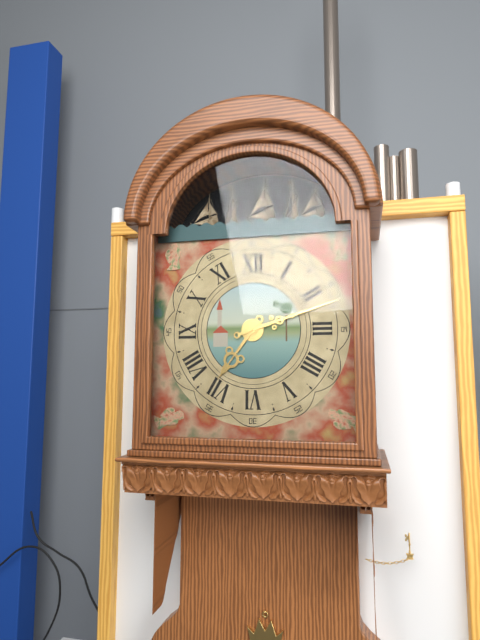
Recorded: 7 h 12 min
